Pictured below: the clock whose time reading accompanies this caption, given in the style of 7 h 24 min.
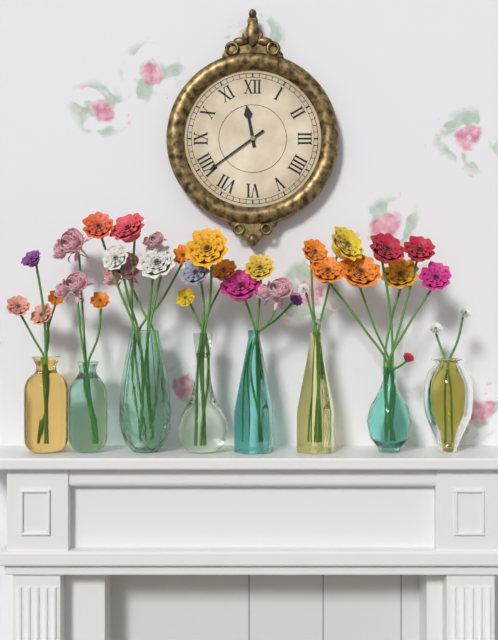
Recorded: 11 h 39 min
